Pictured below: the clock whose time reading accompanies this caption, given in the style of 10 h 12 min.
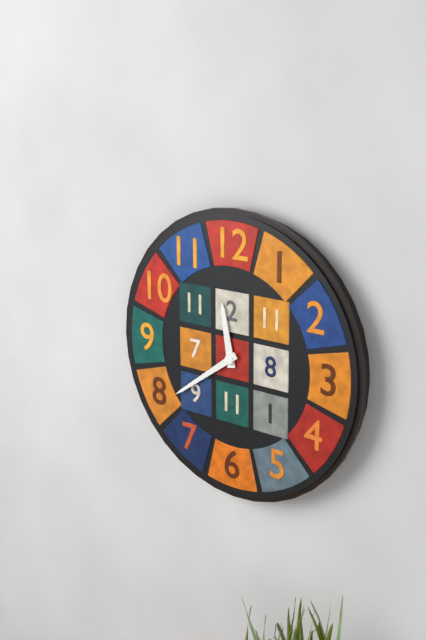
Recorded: 11 h 39 min
